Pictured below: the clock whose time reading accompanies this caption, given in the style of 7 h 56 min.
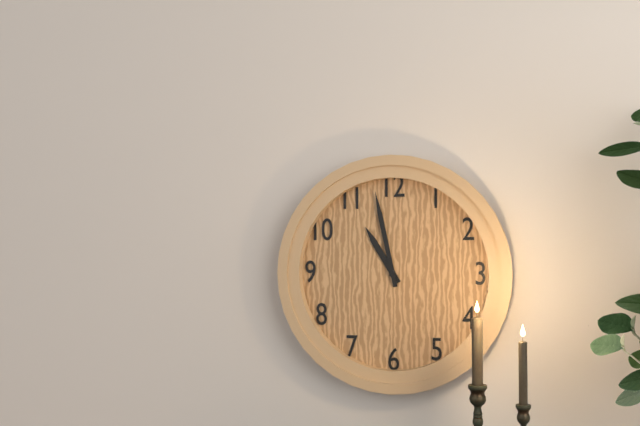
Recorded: 10 h 58 min
